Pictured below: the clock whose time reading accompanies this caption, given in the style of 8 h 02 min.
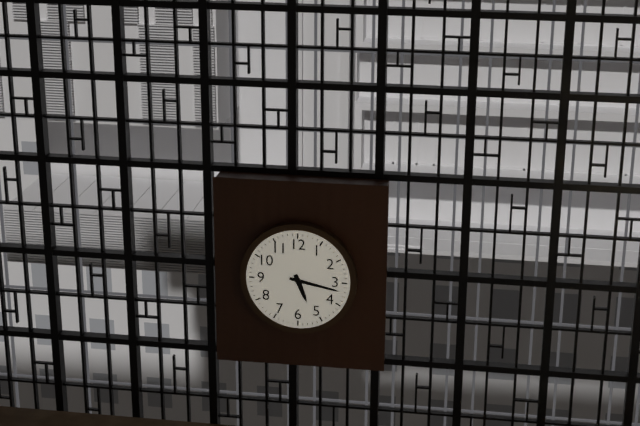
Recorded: 5 h 17 min
